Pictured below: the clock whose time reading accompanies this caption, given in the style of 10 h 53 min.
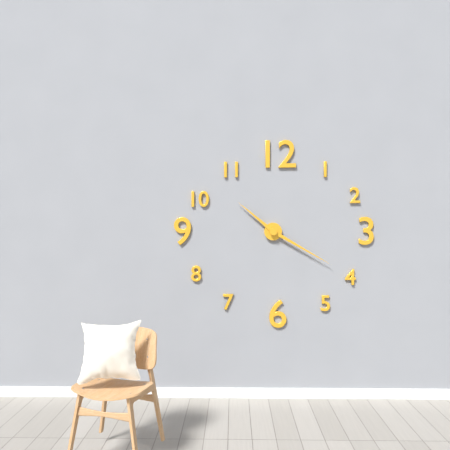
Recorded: 10 h 20 min
